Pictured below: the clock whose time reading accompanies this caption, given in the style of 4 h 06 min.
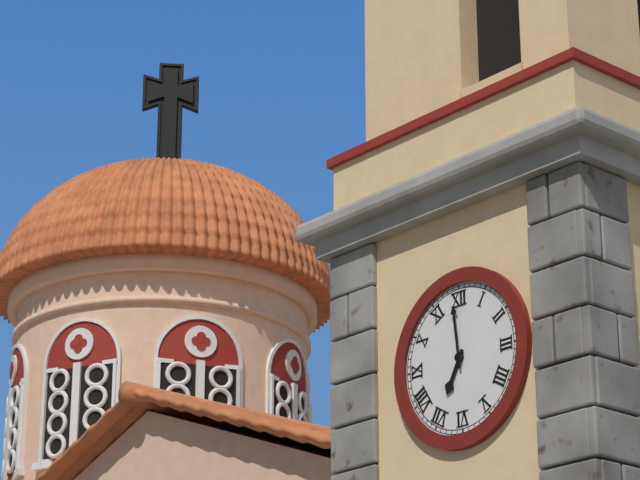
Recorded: 6 h 59 min
